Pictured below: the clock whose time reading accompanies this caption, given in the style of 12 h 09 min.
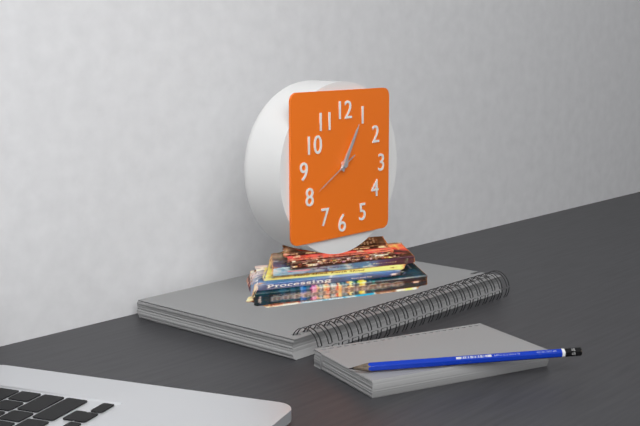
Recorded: 1 h 05 min
